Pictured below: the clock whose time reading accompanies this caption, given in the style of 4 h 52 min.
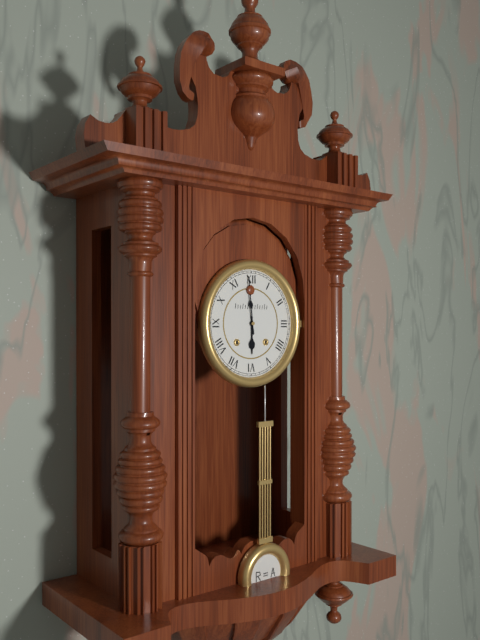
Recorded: 5 h 59 min
